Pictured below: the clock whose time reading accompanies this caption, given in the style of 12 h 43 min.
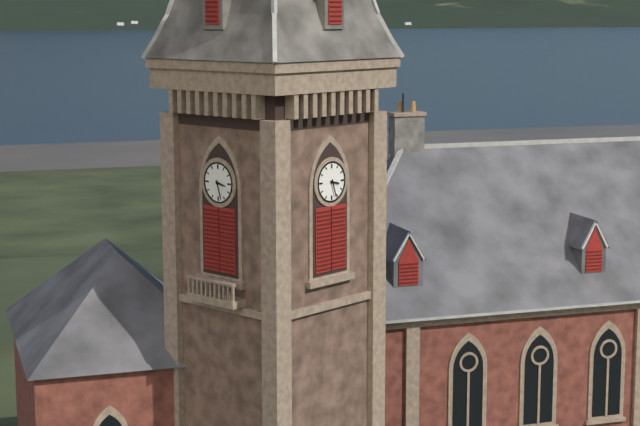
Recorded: 3 h 27 min
